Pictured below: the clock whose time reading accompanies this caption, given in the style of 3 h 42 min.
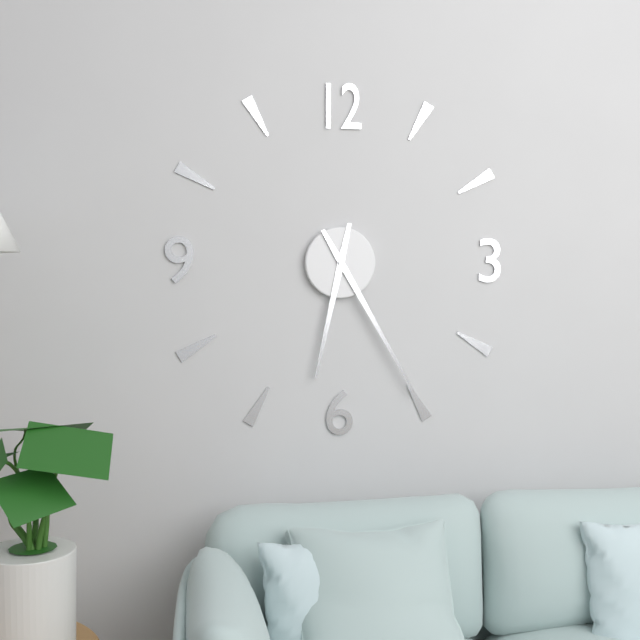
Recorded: 6 h 25 min
